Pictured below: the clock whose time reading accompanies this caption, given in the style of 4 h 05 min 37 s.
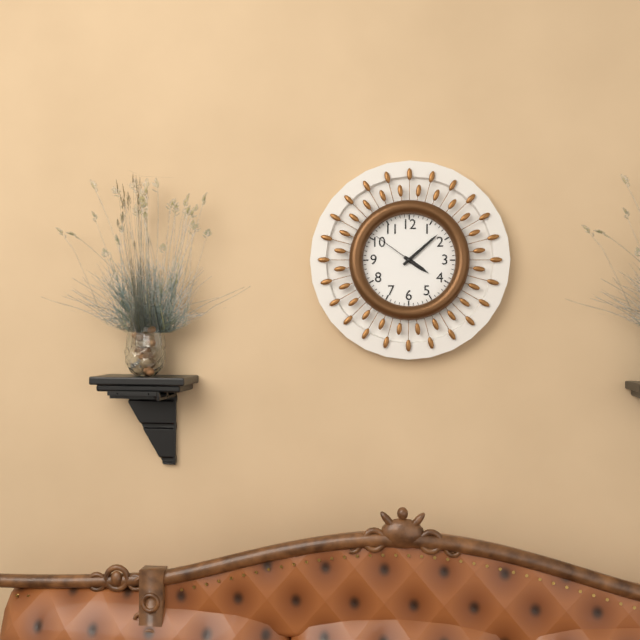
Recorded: 4 h 08 min 51 s
